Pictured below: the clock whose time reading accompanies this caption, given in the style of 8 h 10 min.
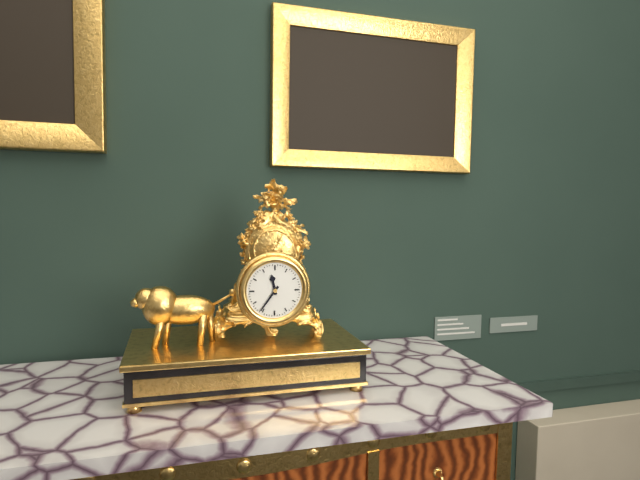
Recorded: 11 h 36 min
